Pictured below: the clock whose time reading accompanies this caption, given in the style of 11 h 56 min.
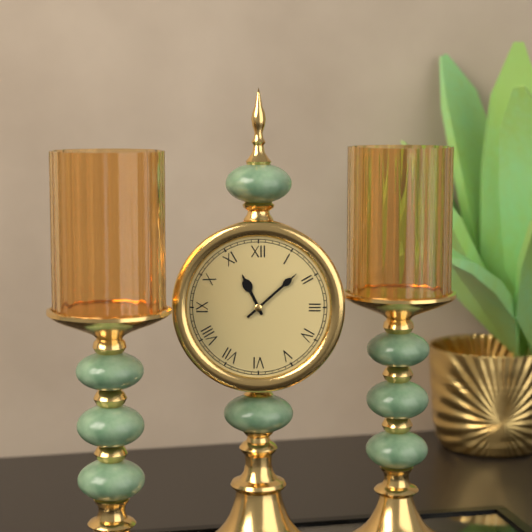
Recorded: 11 h 08 min
